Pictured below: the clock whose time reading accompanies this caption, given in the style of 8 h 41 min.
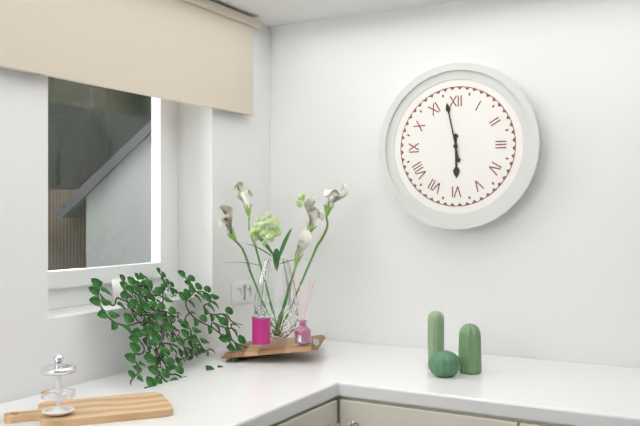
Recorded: 5 h 58 min
